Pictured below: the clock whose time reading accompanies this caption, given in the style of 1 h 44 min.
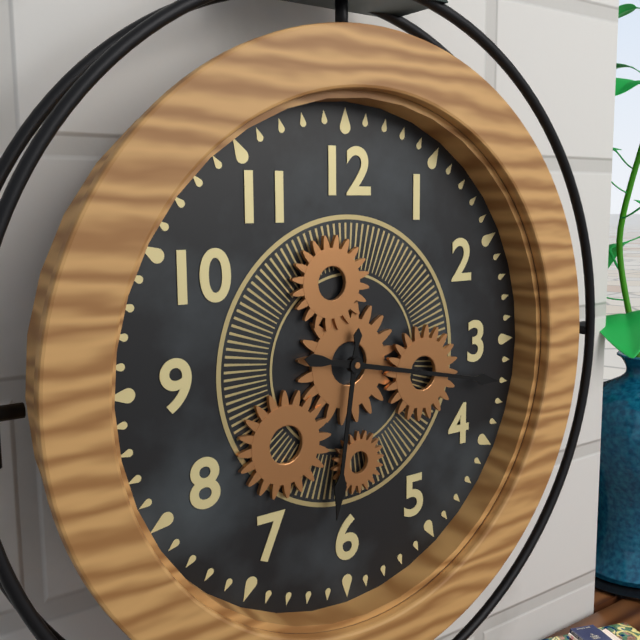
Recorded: 6 h 17 min
